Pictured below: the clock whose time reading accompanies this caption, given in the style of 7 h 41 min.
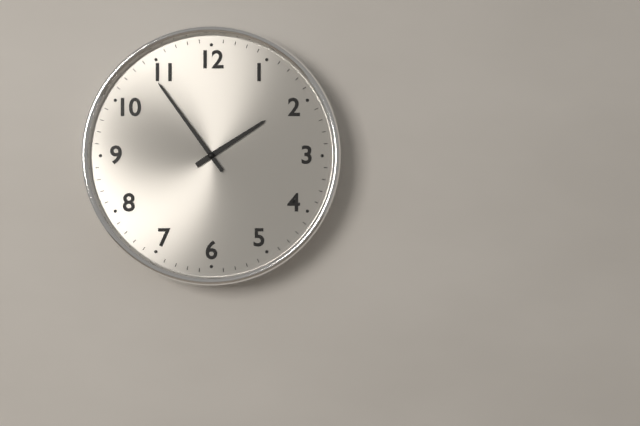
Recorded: 1 h 54 min
